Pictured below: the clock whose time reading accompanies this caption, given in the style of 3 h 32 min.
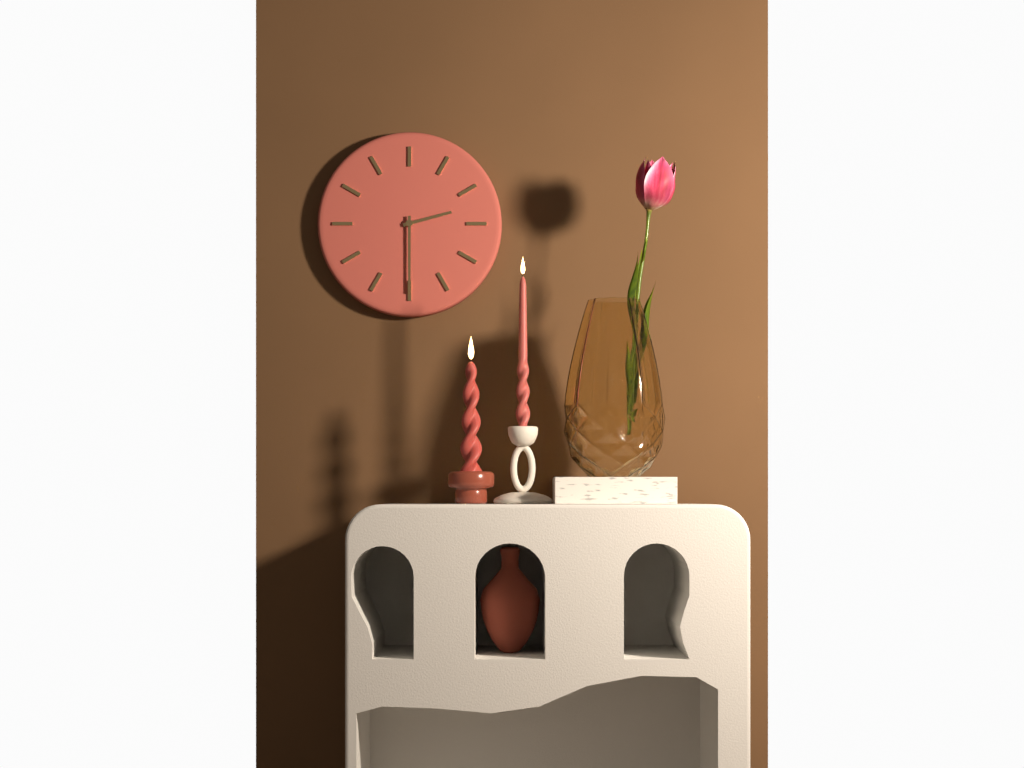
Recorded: 2 h 30 min
